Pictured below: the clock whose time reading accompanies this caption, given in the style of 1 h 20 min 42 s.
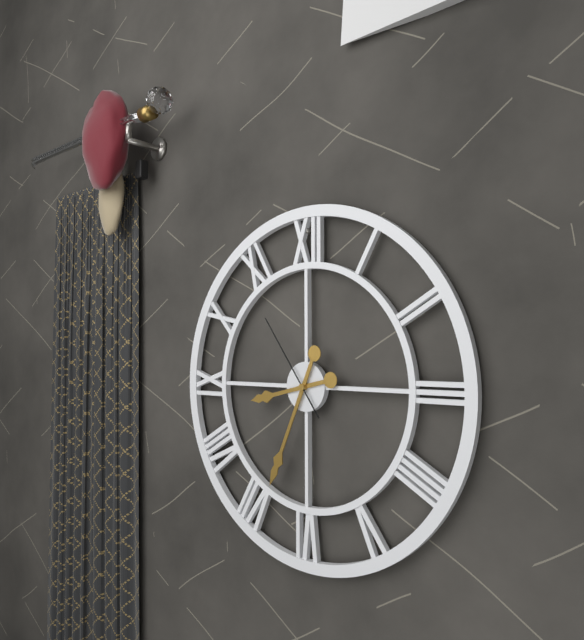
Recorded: 8 h 34 min 54 s
